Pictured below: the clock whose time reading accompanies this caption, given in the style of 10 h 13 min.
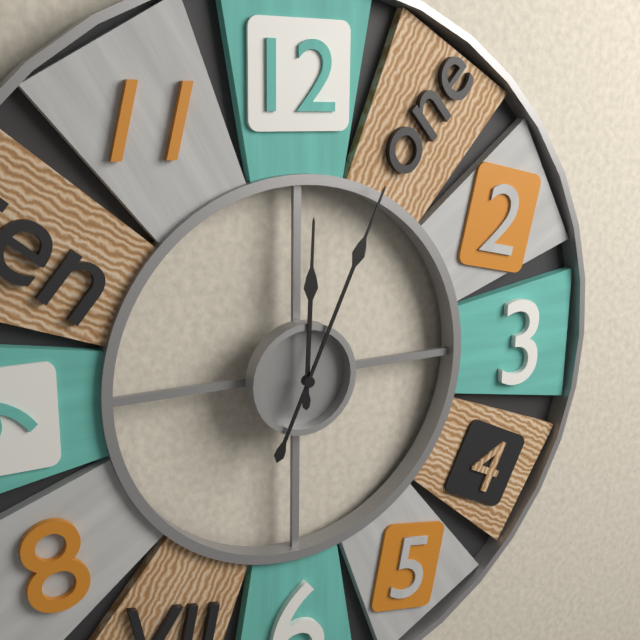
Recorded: 12 h 04 min
